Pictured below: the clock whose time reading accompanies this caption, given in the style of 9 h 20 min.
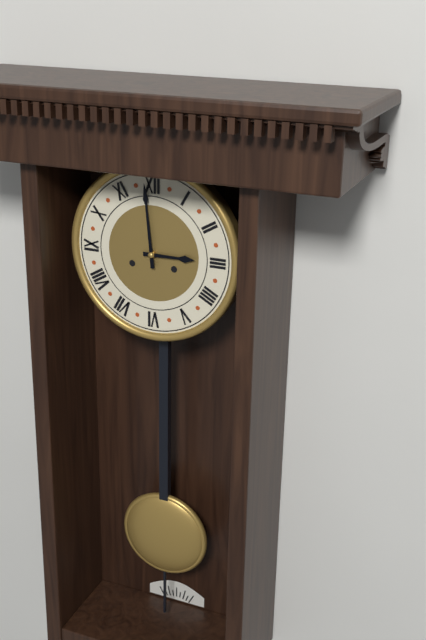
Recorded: 2 h 59 min
